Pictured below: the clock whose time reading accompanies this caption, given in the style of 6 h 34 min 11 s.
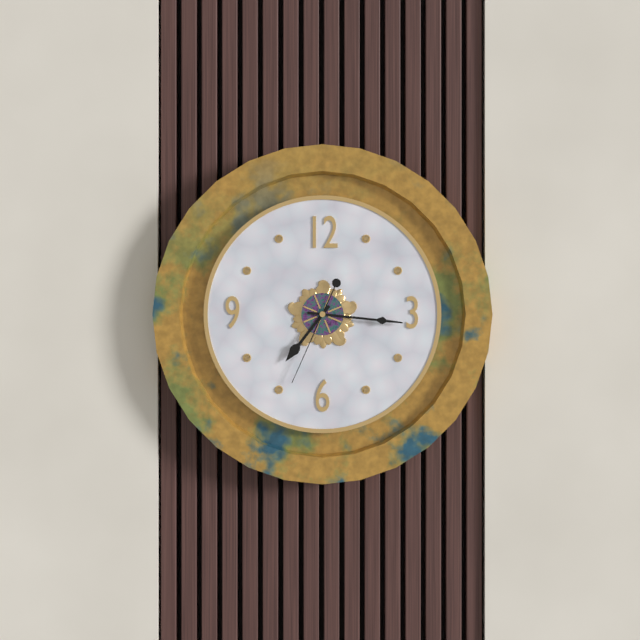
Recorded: 7 h 16 min 34 s
